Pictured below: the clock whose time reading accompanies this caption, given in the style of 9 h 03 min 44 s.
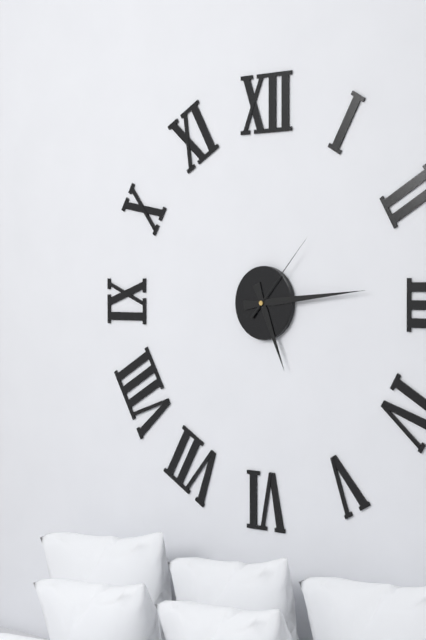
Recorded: 5 h 14 min 07 s
